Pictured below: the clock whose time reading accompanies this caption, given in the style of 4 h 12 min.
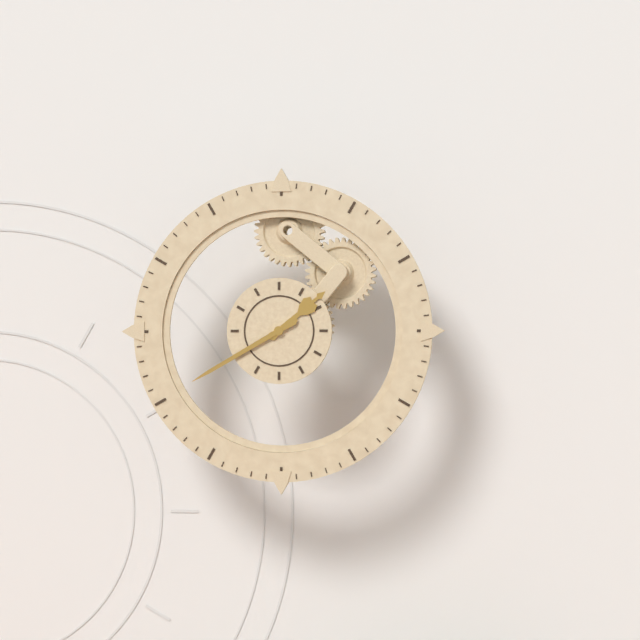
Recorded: 1 h 40 min
